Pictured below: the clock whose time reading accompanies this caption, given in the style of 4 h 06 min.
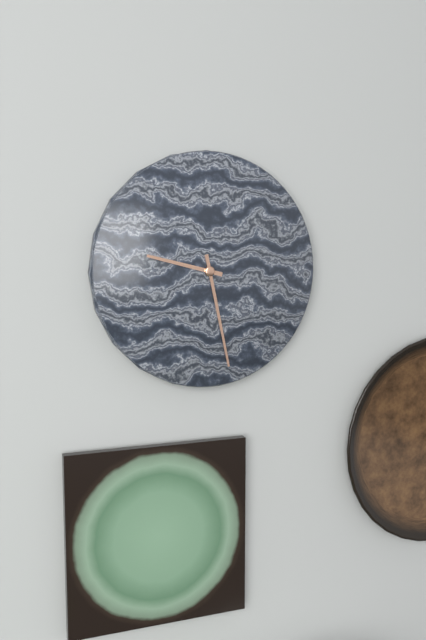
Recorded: 9 h 28 min
